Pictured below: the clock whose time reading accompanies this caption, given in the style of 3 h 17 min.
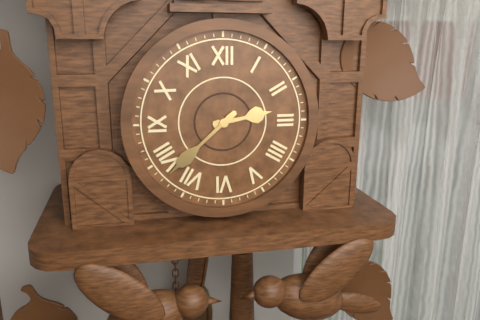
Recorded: 2 h 38 min
